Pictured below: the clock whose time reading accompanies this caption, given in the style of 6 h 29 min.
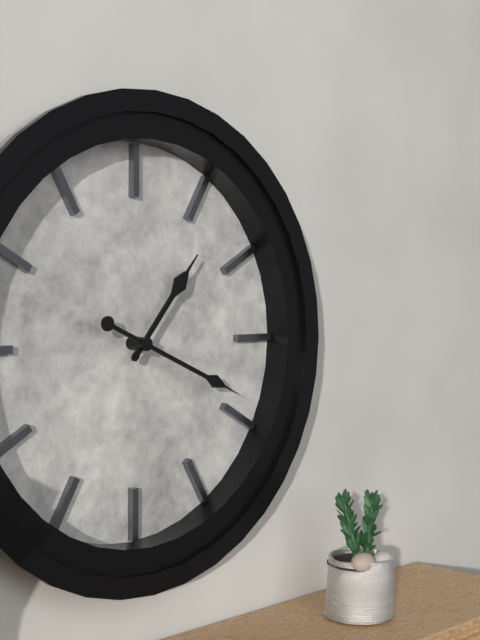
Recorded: 1 h 19 min
